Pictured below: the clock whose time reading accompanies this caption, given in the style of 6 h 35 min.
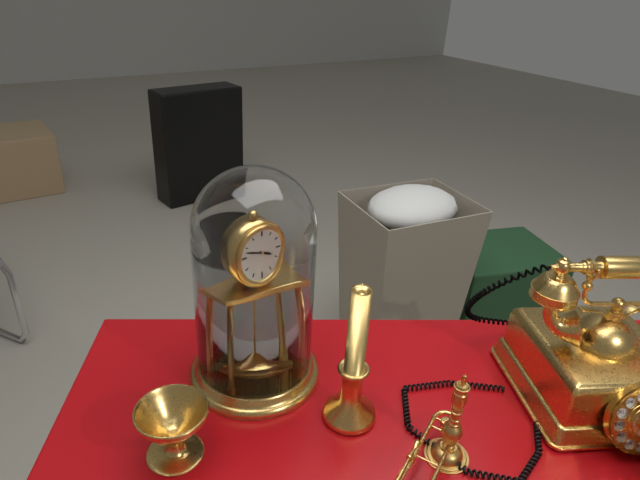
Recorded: 3 h 48 min
